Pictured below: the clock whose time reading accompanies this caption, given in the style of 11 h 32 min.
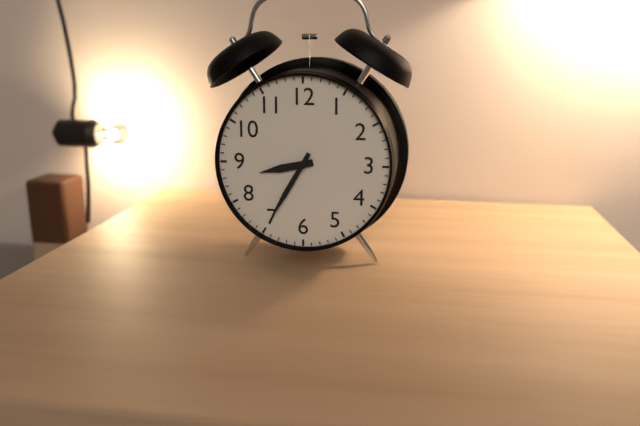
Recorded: 8 h 35 min
